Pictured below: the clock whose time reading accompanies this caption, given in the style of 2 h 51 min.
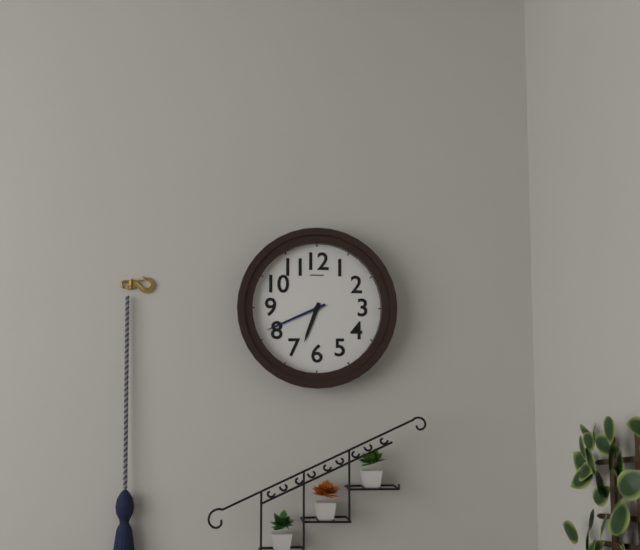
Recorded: 6 h 41 min
